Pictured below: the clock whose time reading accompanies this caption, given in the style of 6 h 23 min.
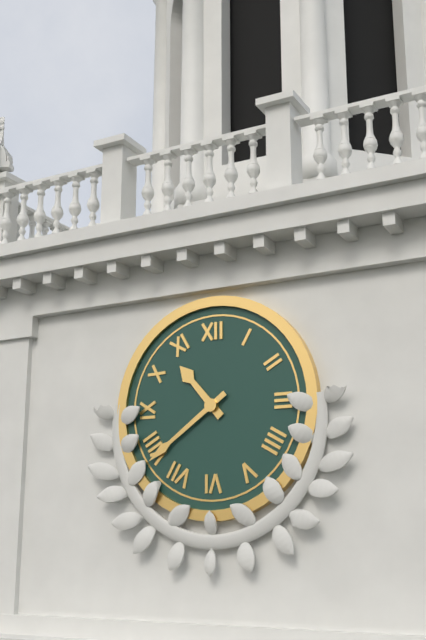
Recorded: 10 h 39 min
